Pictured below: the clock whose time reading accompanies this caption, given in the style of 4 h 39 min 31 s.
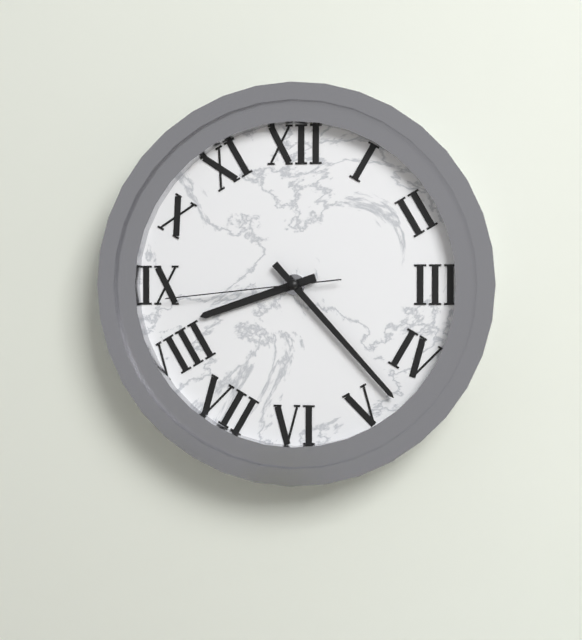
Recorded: 8 h 23 min 44 s
